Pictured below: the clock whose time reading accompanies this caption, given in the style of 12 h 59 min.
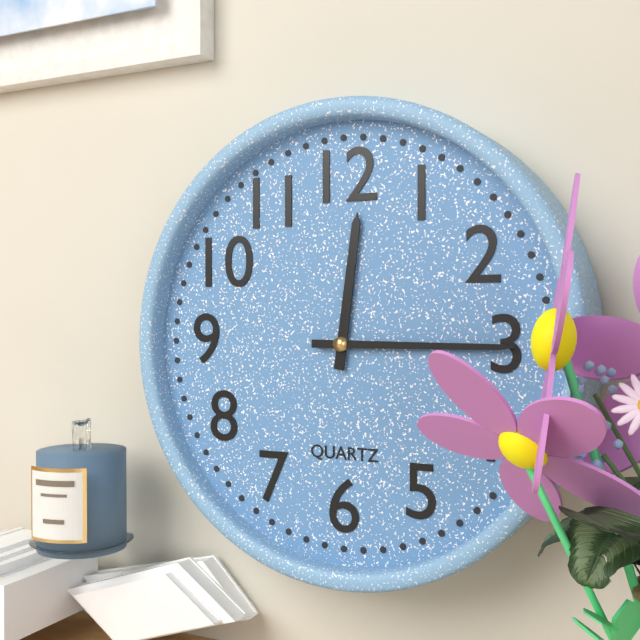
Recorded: 12 h 15 min
